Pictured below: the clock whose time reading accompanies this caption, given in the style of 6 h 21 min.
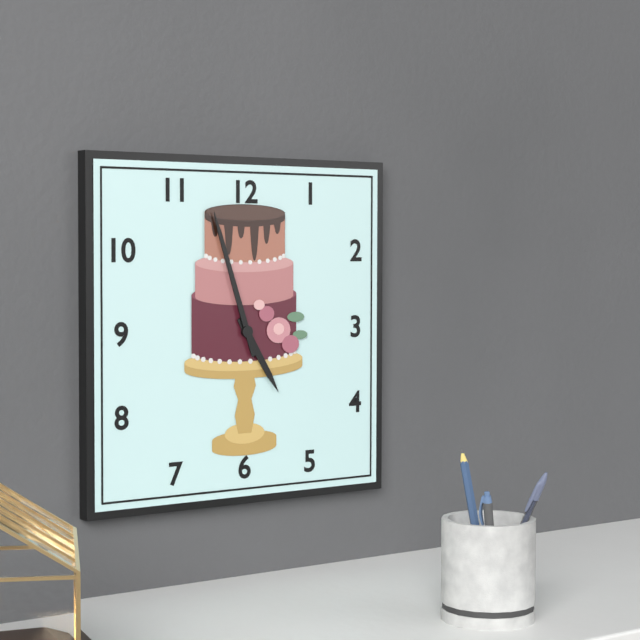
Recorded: 4 h 57 min
